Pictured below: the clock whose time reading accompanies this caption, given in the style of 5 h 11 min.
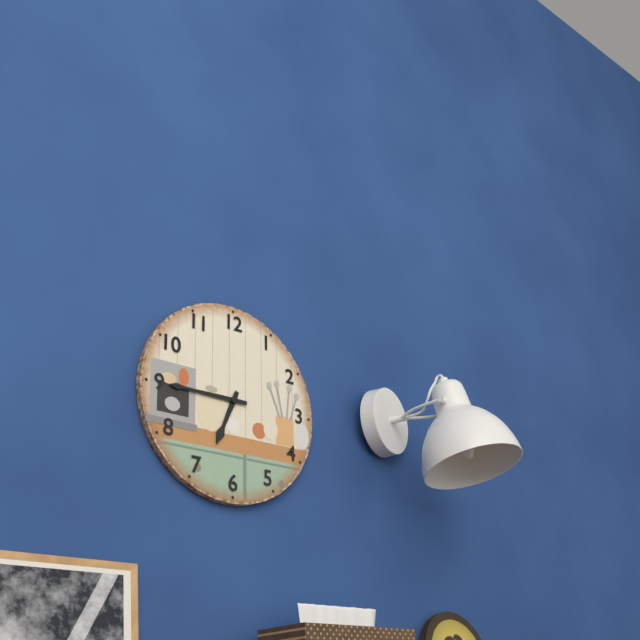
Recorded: 6 h 45 min
